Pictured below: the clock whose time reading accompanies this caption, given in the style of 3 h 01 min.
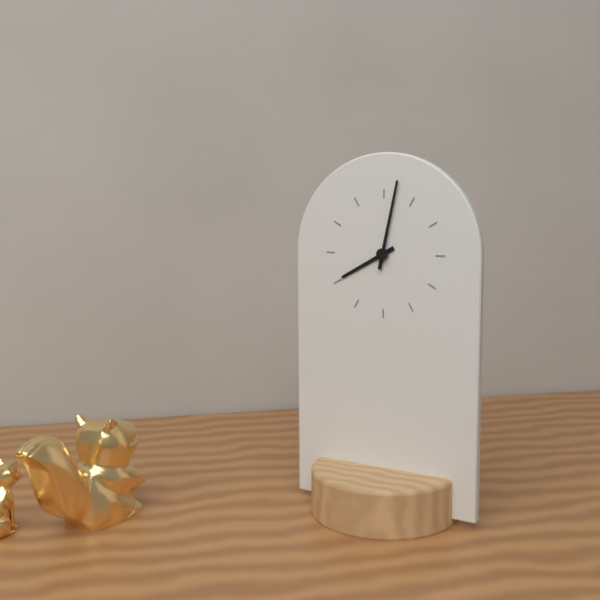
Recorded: 8 h 02 min
